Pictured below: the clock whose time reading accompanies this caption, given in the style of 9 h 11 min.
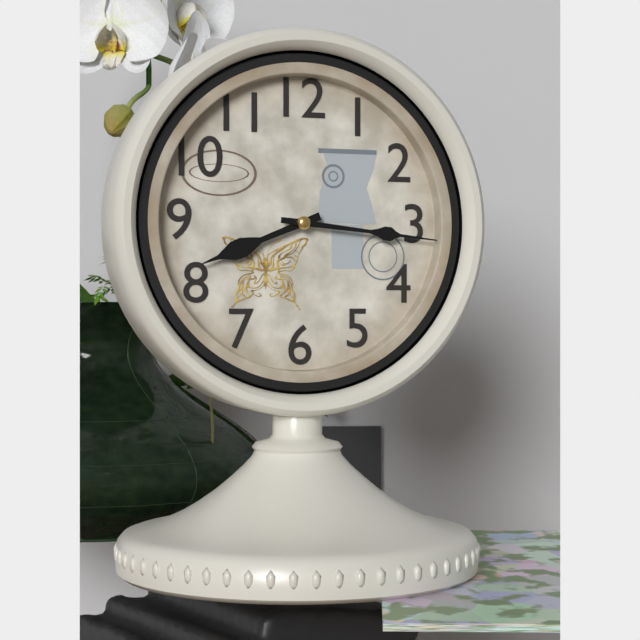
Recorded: 8 h 16 min
